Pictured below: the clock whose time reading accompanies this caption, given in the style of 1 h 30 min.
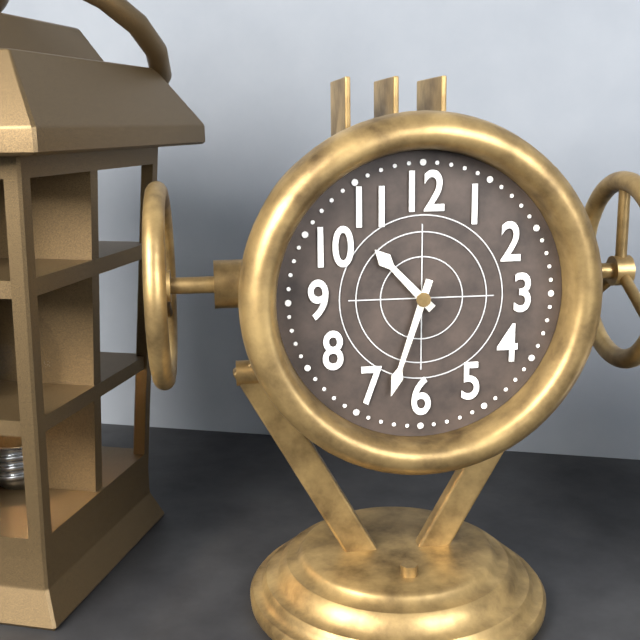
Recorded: 10 h 33 min
